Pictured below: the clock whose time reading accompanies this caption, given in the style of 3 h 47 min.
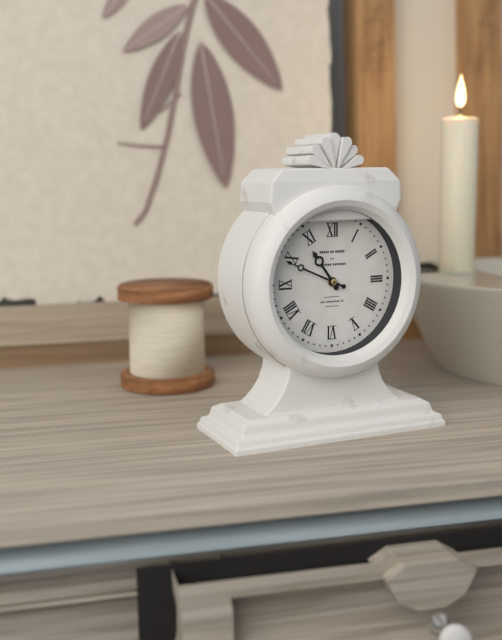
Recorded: 10 h 49 min
